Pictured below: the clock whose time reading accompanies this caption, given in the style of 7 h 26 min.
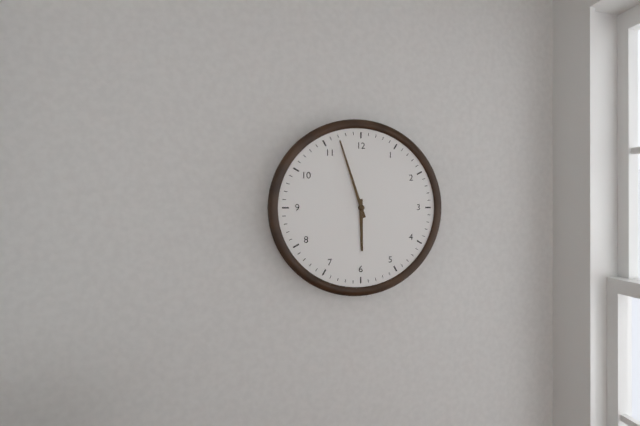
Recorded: 5 h 57 min
